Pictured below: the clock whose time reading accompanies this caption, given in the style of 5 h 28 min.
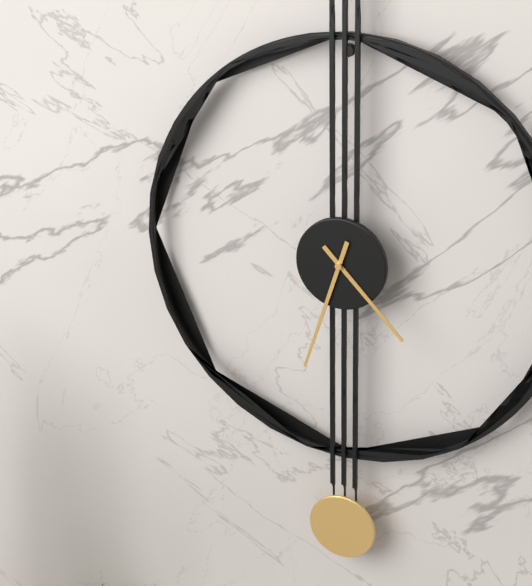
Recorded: 4 h 33 min
